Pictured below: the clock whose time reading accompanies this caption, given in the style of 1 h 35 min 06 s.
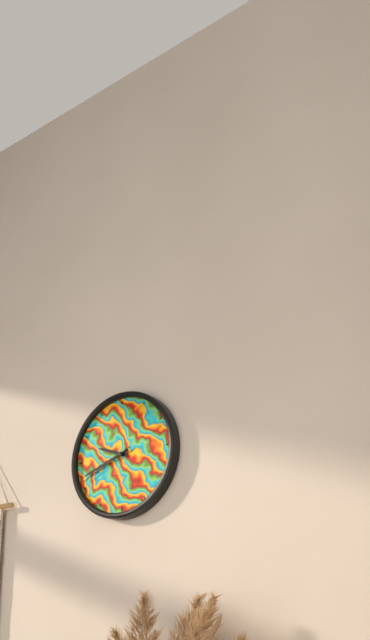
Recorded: 9 h 42 min 41 s
